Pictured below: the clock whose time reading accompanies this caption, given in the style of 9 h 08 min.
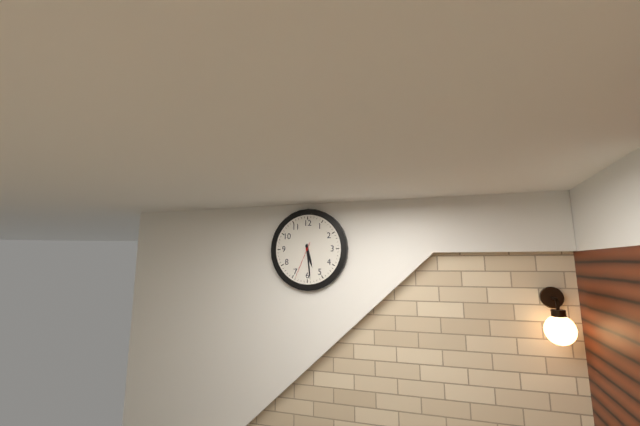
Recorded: 5 h 29 min
